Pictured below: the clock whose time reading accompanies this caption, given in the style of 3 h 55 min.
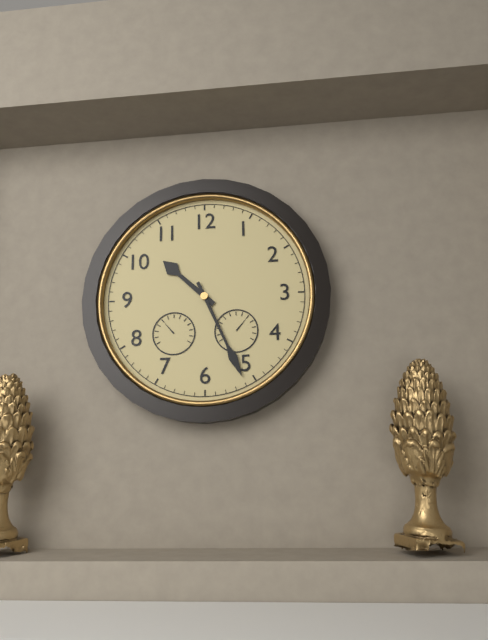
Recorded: 10 h 26 min
